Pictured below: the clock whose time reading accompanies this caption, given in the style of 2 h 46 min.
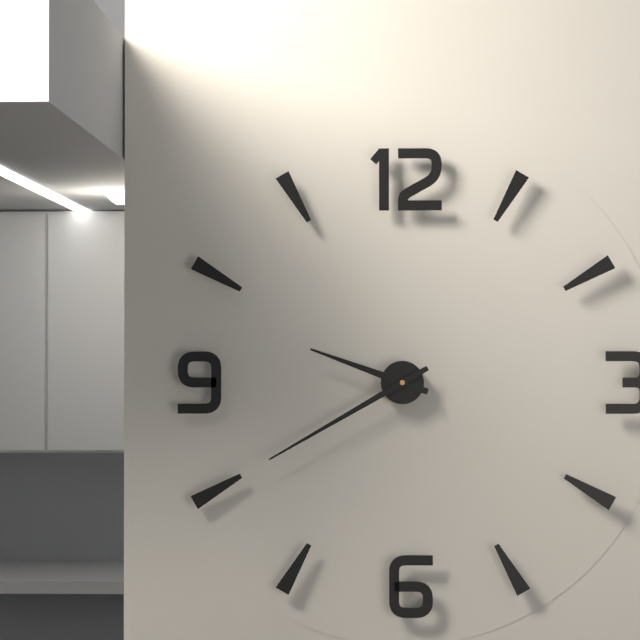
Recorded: 9 h 40 min
